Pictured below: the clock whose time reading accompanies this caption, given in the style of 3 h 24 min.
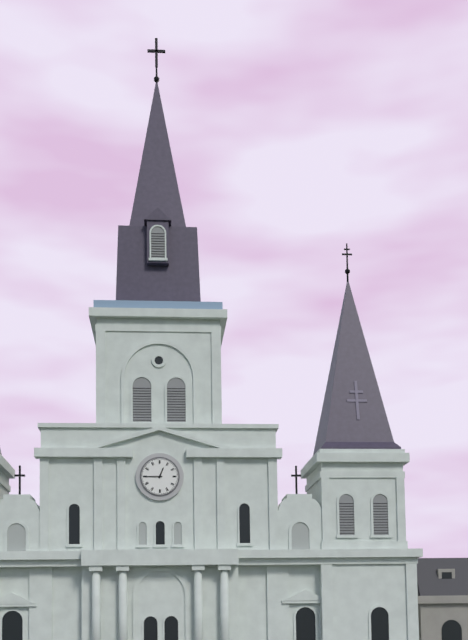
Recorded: 12 h 45 min
